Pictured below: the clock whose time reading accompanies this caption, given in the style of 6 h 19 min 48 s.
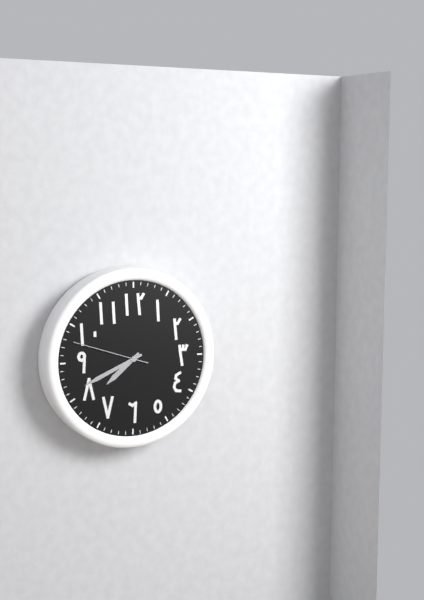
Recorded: 7 h 41 min 48 s
